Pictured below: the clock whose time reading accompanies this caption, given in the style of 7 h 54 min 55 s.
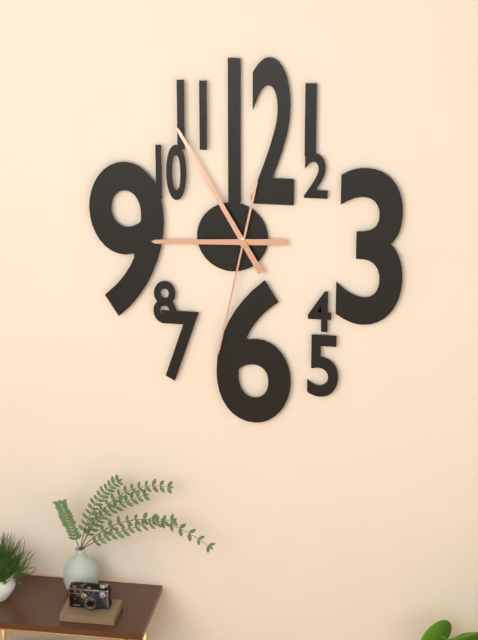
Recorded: 8 h 55 min 32 s
